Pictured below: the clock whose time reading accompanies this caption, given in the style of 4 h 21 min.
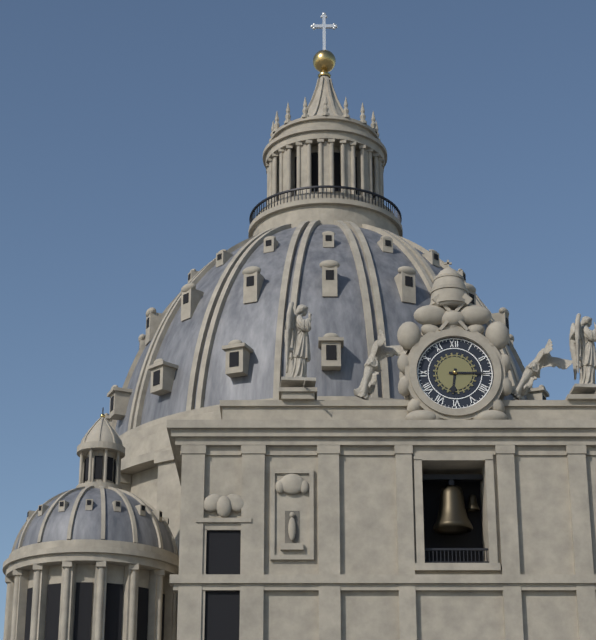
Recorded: 6 h 15 min
